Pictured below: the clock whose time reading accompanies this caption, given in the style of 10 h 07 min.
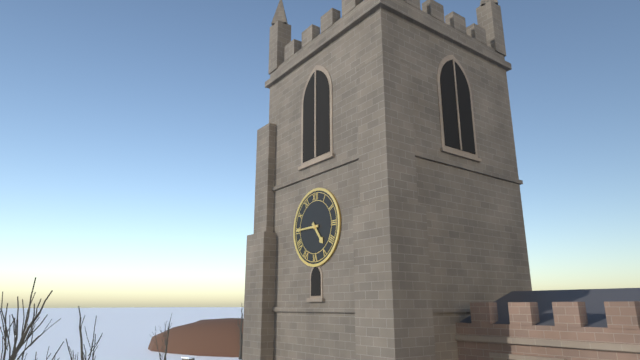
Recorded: 4 h 45 min
